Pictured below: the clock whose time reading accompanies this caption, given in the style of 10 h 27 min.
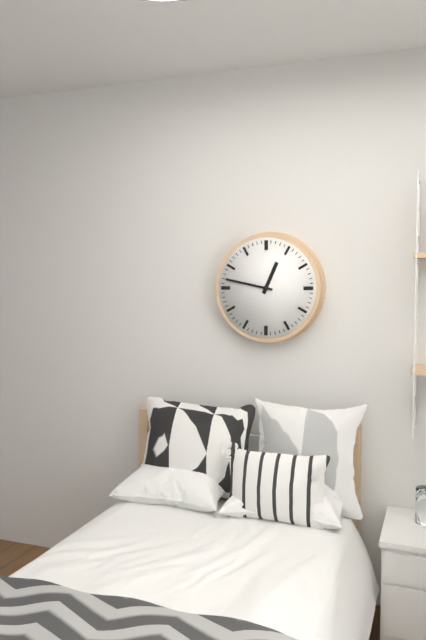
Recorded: 12 h 47 min
